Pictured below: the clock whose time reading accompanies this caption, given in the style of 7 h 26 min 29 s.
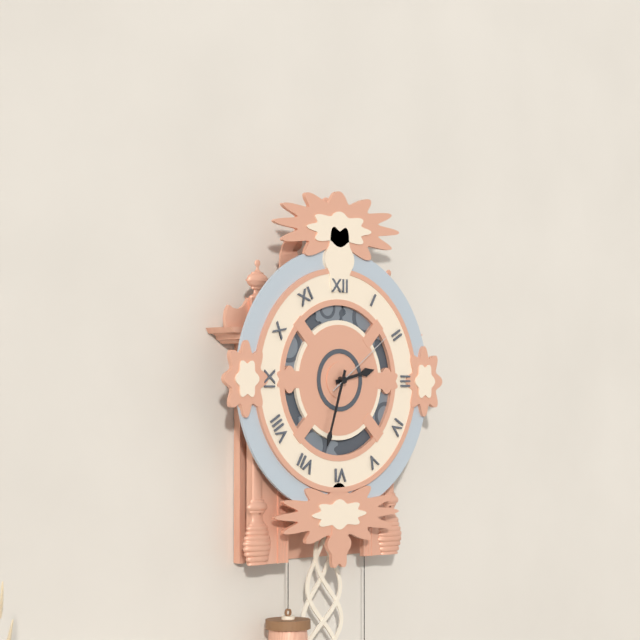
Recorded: 2 h 33 min 09 s
